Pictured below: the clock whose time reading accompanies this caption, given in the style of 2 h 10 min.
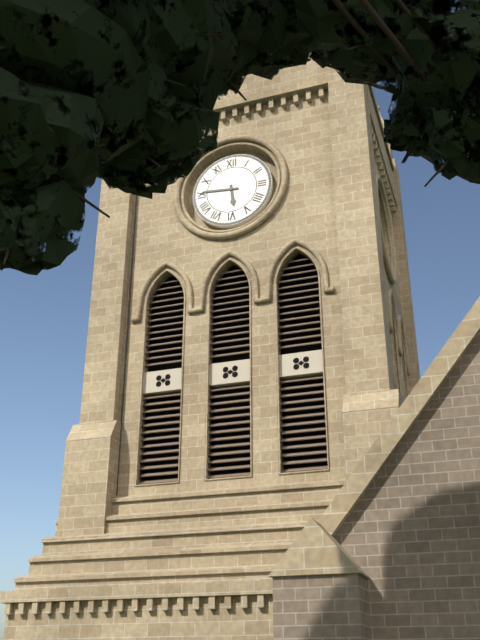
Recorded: 5 h 46 min
